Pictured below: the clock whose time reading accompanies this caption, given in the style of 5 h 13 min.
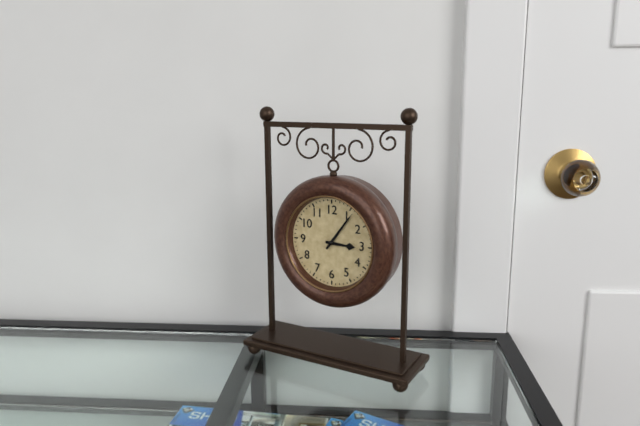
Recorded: 3 h 06 min
